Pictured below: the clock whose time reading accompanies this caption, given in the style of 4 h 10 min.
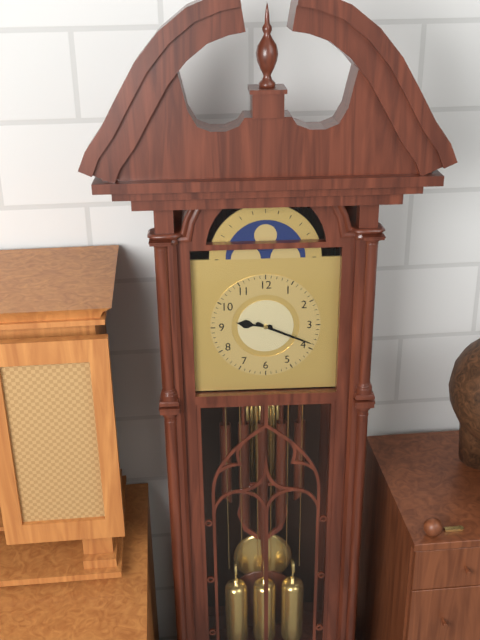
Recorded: 9 h 19 min
